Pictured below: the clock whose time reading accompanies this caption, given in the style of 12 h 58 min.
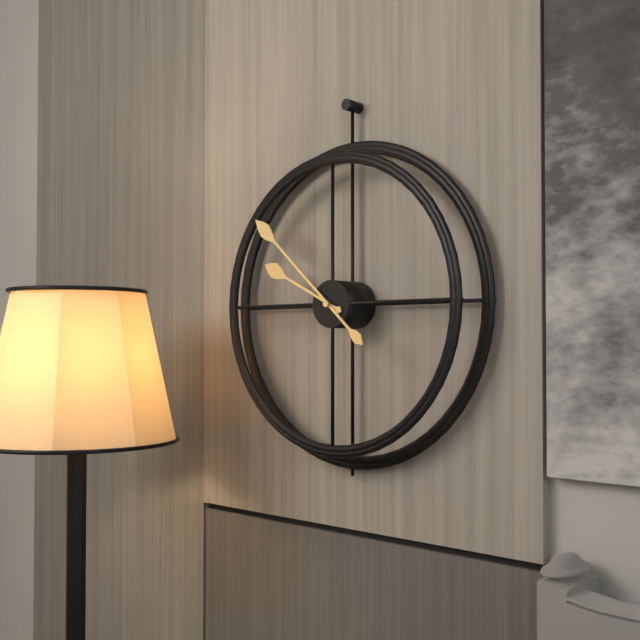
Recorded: 9 h 52 min
